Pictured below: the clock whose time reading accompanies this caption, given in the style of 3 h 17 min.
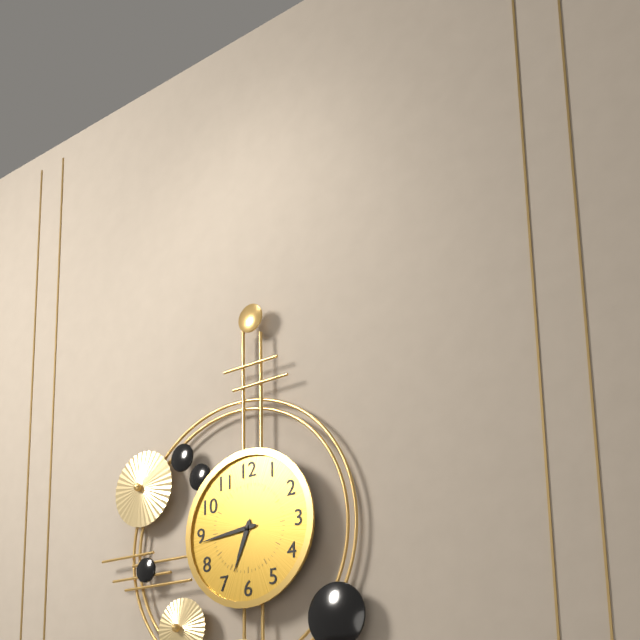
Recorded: 6 h 44 min
